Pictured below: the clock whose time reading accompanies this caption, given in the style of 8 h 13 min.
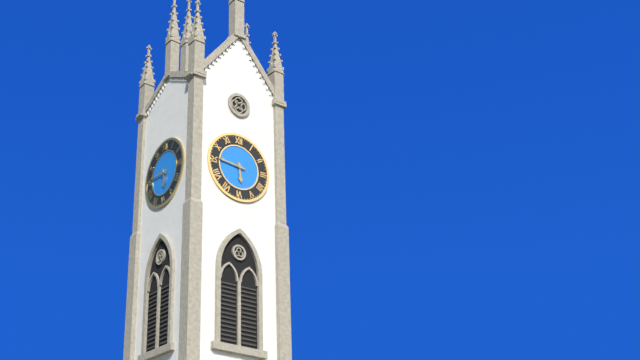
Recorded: 5 h 46 min
